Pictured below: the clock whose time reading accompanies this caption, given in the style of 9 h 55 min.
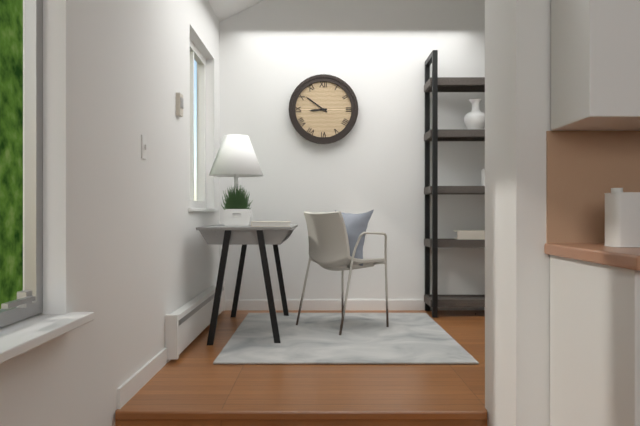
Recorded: 8 h 51 min
